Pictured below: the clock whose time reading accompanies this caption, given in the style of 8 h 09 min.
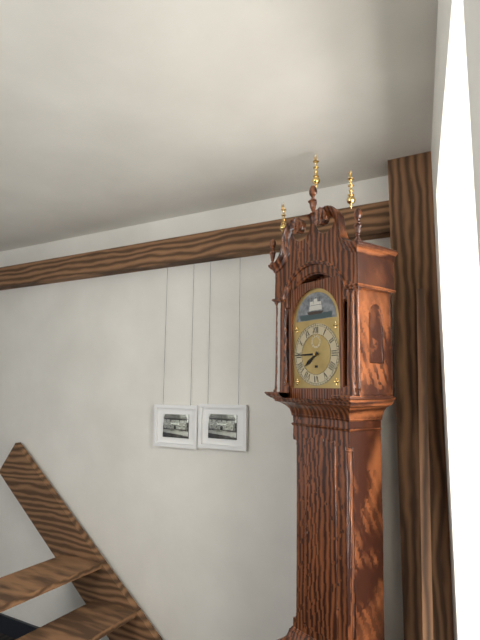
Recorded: 7 h 45 min
